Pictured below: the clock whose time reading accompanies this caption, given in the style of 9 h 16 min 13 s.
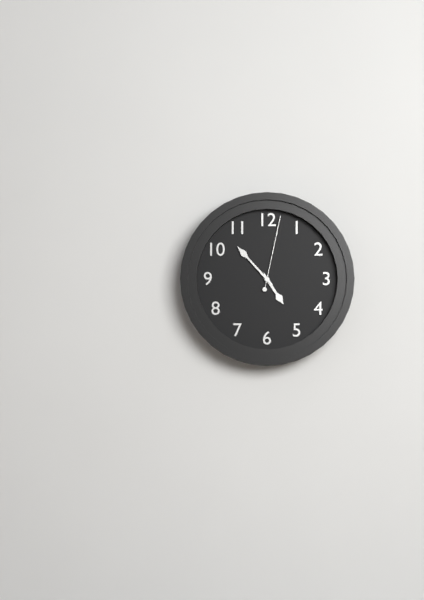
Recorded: 4 h 53 min 02 s
